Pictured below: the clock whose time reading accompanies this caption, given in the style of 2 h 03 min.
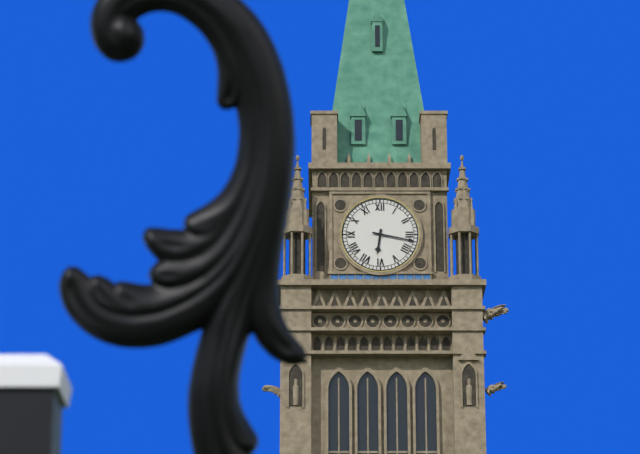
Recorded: 6 h 17 min
